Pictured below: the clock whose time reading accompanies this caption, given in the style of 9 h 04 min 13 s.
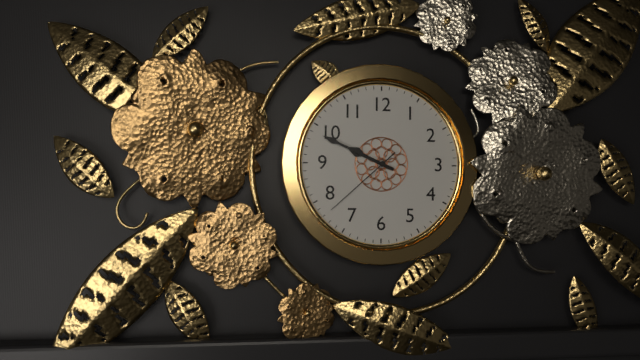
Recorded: 9 h 49 min 38 s
